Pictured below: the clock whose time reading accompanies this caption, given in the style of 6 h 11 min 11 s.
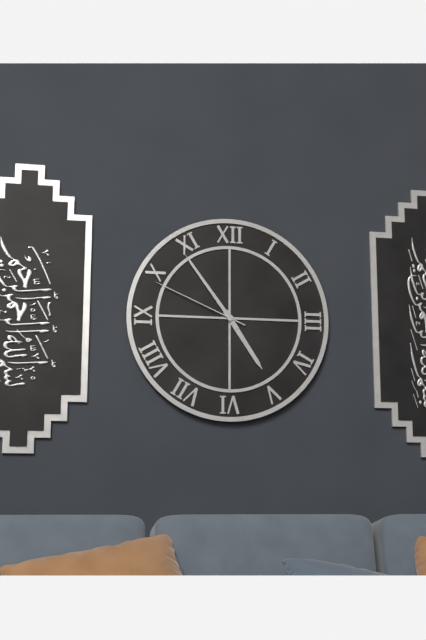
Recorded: 4 h 54 min 49 s
